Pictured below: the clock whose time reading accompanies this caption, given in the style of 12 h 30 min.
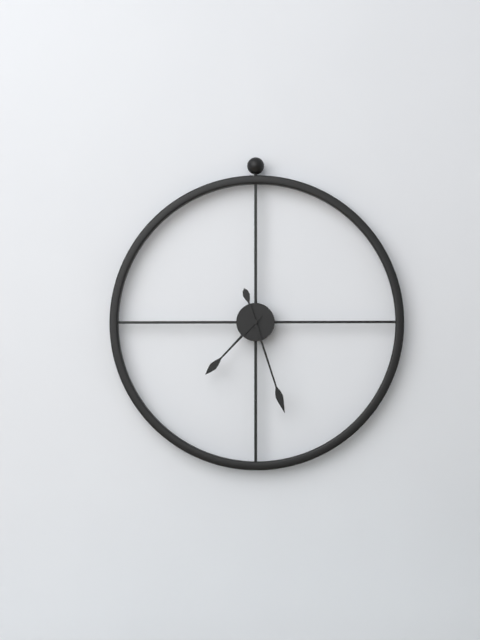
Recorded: 7 h 27 min
